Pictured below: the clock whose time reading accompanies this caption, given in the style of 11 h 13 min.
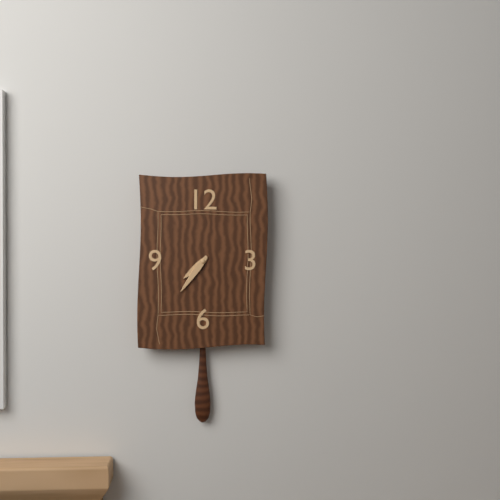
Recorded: 7 h 36 min
